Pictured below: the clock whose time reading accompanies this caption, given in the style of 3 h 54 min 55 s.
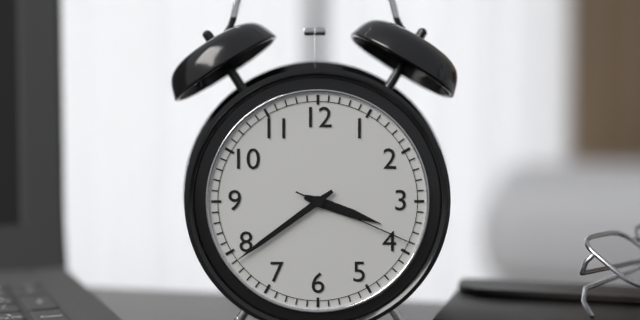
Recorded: 3 h 39 min 19 s
